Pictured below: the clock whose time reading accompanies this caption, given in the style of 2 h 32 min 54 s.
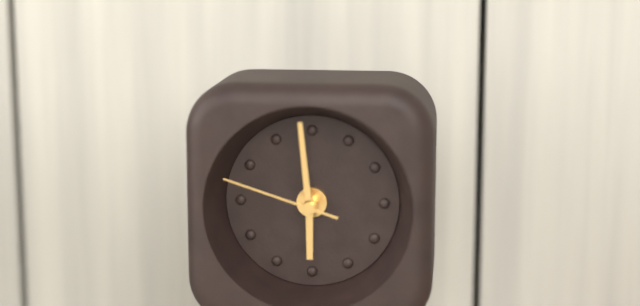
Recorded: 5 h 59 min 48 s
